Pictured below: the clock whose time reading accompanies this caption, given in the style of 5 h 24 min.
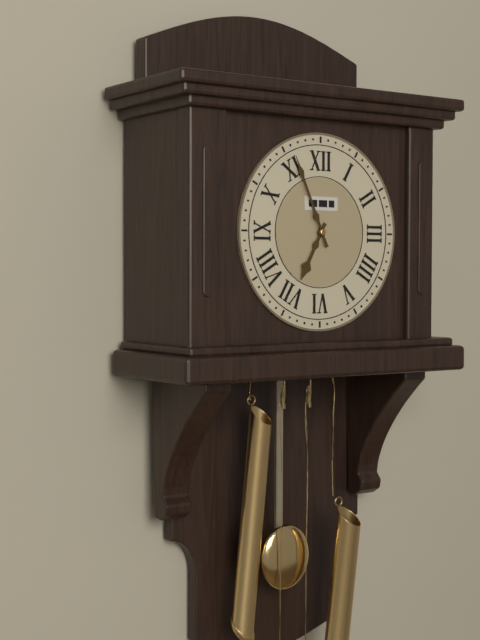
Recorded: 6 h 56 min
